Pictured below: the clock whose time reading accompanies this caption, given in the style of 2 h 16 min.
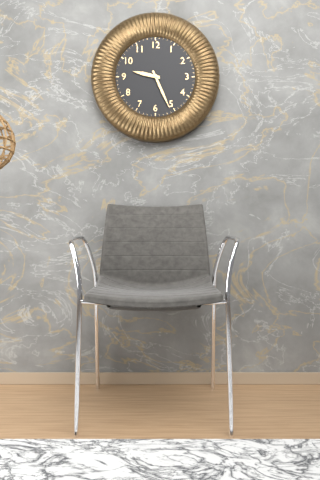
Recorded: 9 h 26 min
